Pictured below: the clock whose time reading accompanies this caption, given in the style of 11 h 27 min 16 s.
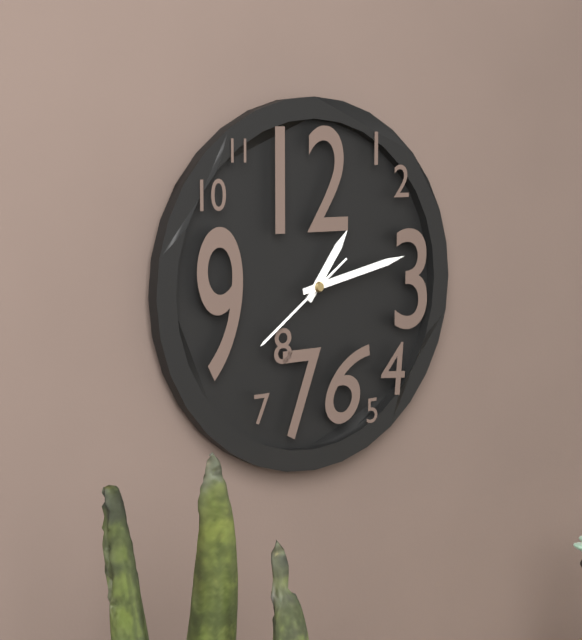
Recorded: 1 h 13 min 39 s
